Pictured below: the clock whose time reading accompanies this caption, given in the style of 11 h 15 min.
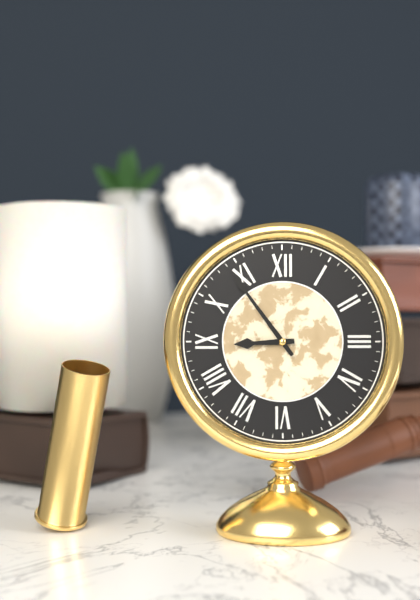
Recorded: 8 h 54 min
